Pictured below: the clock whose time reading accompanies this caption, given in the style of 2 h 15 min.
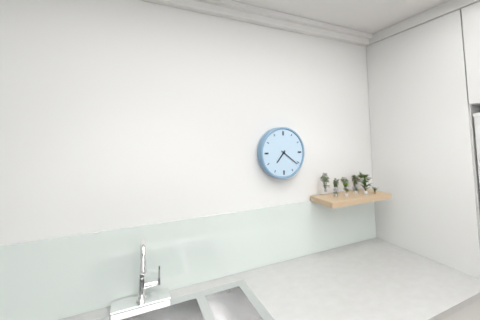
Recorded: 7 h 21 min
